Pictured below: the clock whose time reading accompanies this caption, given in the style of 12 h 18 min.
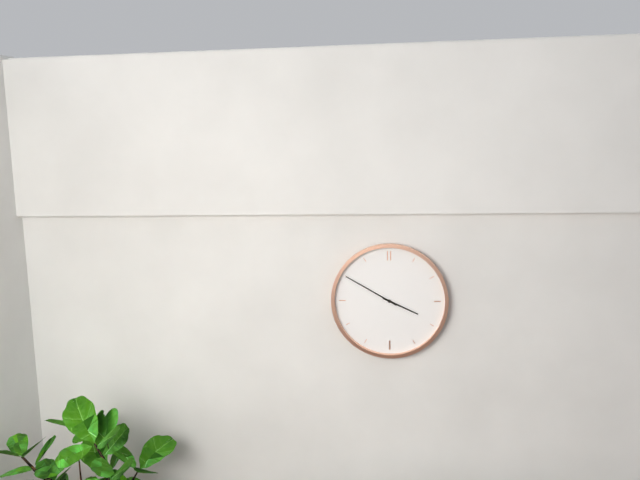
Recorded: 3 h 50 min
